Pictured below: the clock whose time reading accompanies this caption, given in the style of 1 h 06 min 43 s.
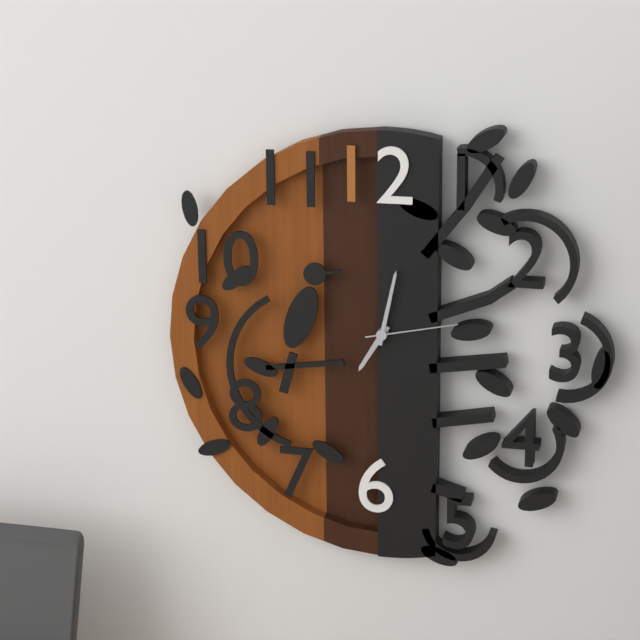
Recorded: 7 h 02 min 13 s
